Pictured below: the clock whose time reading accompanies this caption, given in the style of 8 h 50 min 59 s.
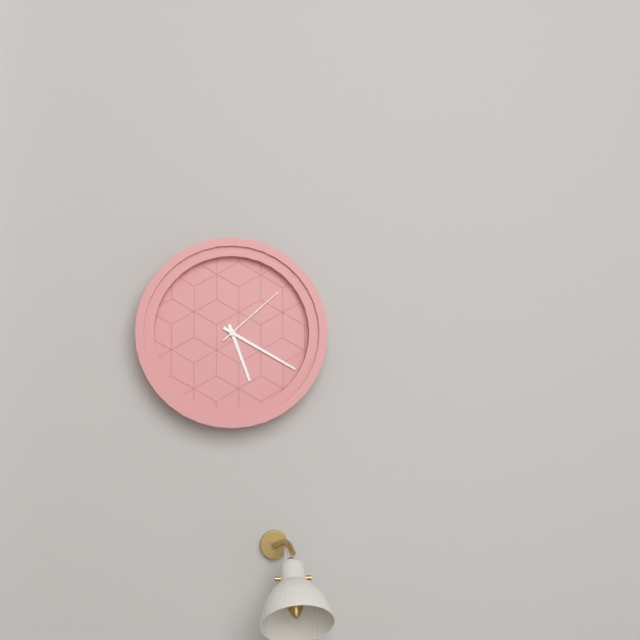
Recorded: 5 h 20 min 08 s
